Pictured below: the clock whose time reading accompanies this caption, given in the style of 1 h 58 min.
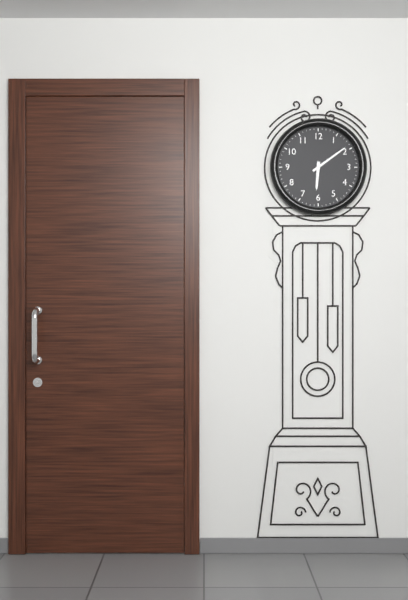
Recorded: 6 h 09 min
